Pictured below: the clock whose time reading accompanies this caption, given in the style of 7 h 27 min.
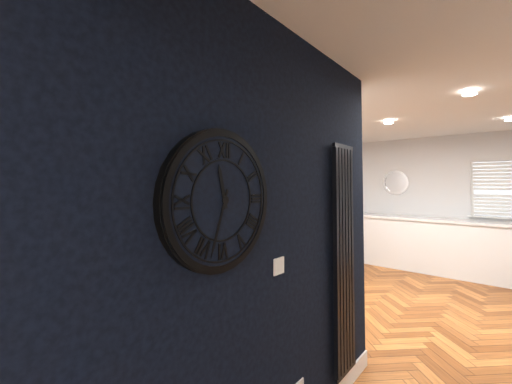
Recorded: 11 h 33 min
